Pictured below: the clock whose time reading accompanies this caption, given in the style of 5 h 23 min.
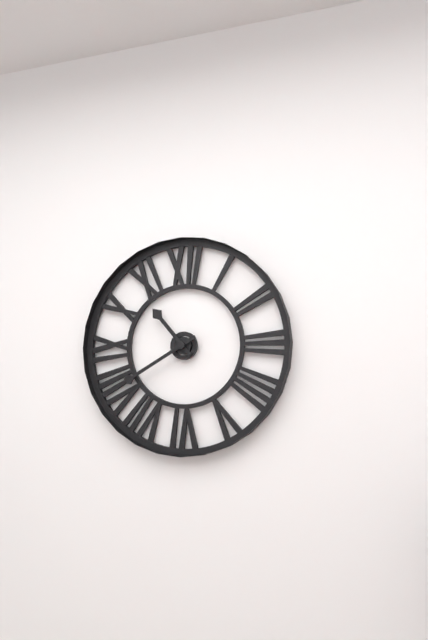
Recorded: 10 h 40 min
